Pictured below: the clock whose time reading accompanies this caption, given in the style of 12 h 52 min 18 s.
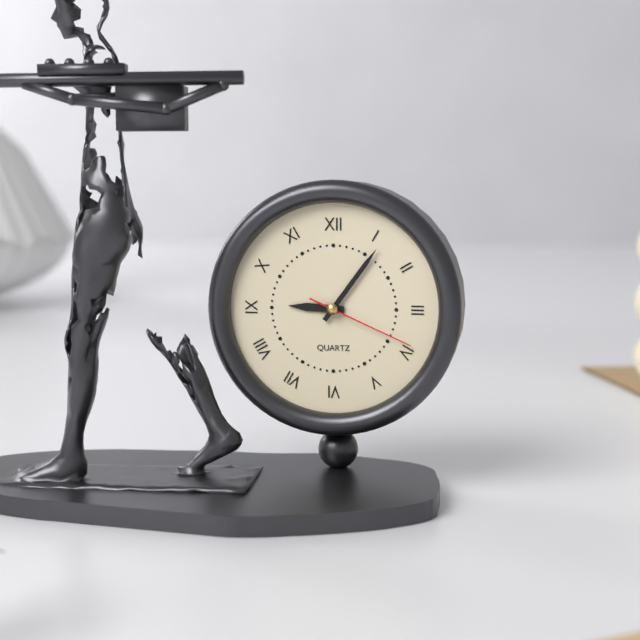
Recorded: 9 h 06 min 19 s
